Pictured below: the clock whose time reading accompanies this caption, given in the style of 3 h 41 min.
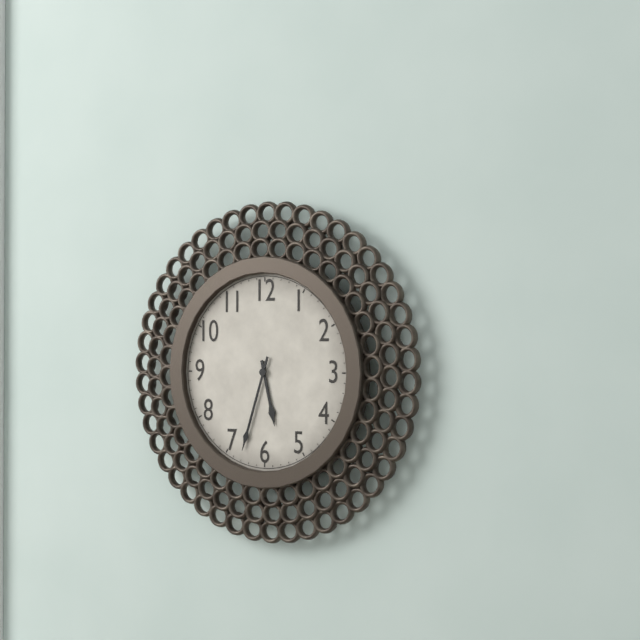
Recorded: 5 h 33 min
